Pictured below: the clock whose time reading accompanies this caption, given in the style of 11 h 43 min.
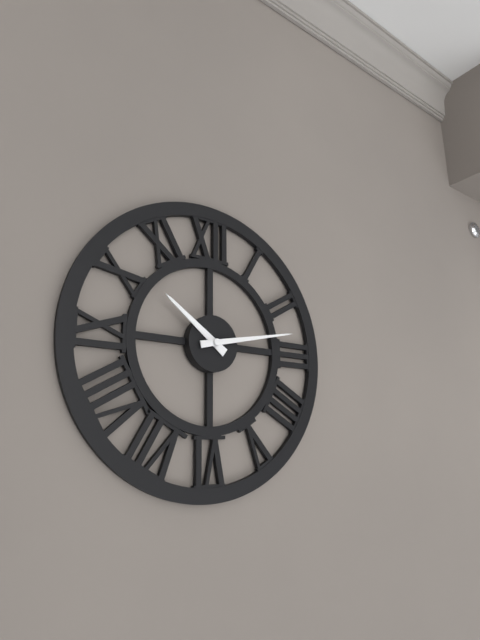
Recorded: 10 h 13 min
